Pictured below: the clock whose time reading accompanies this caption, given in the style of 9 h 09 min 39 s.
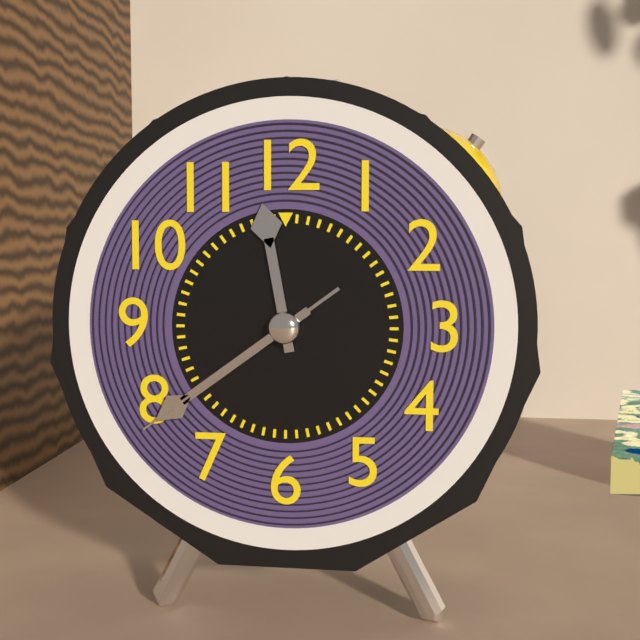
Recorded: 11 h 39 min 39 s
